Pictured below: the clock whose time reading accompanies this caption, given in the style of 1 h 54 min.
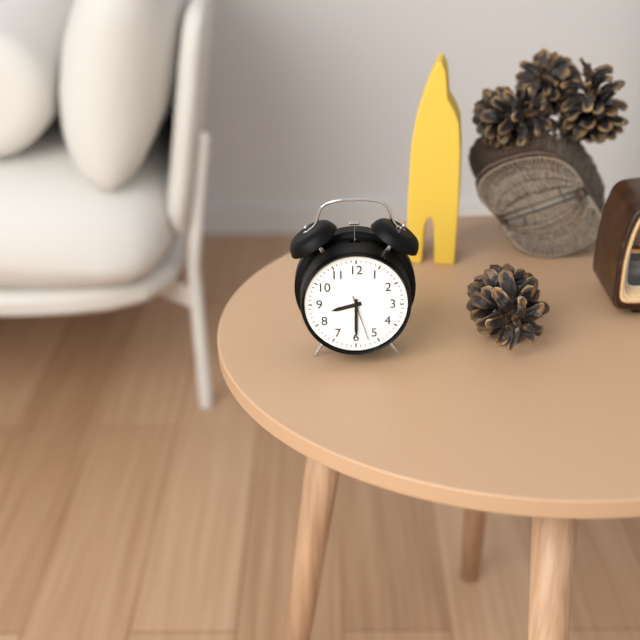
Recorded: 8 h 30 min
